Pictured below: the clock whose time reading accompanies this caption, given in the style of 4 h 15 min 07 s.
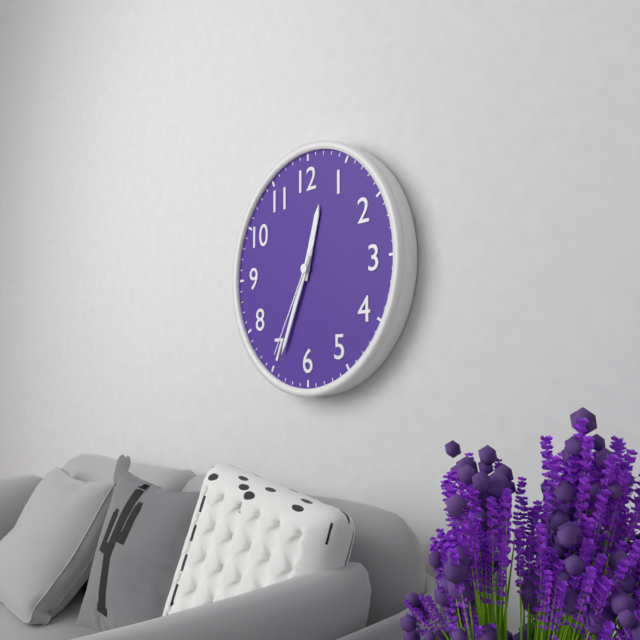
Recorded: 12 h 34 min 35 s
